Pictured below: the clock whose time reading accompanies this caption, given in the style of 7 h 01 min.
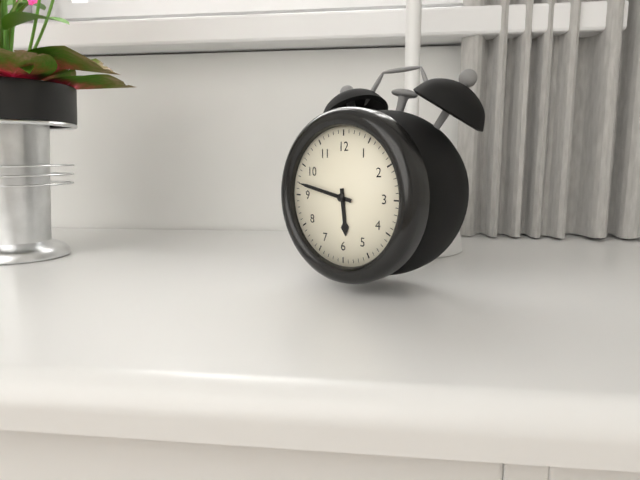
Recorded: 5 h 47 min
